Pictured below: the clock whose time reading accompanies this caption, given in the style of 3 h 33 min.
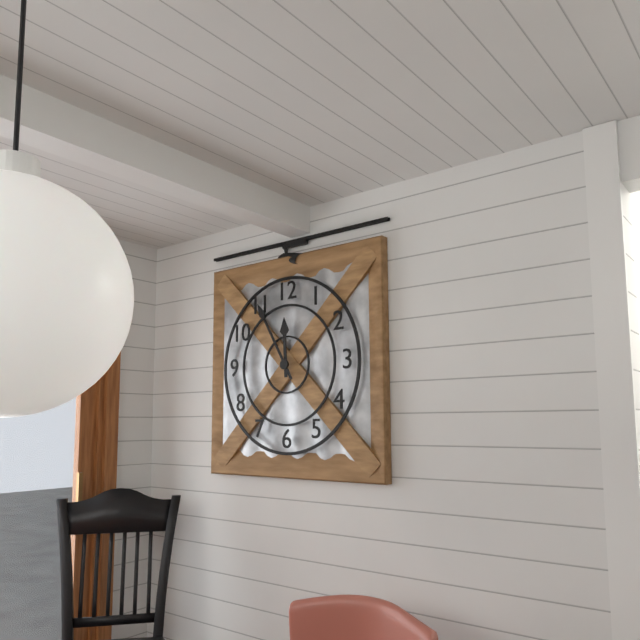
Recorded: 11 h 55 min
